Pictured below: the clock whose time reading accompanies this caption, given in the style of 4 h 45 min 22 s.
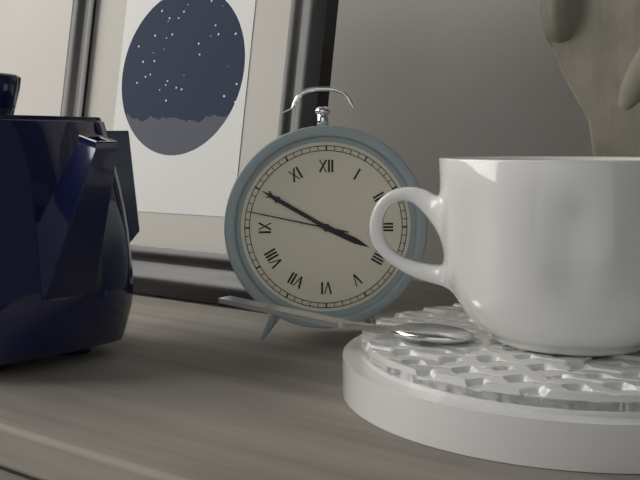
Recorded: 3 h 50 min 47 s
